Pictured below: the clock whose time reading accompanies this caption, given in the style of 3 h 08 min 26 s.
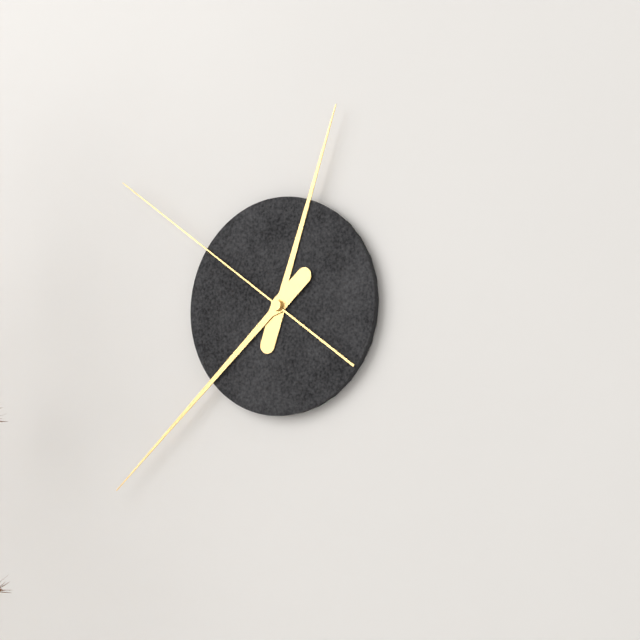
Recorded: 12 h 38 min 51 s
